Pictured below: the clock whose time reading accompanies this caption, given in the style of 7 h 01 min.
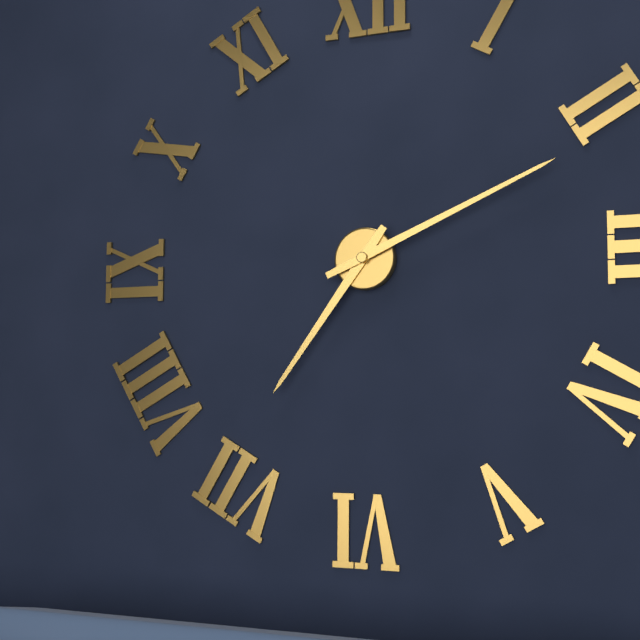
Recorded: 7 h 11 min
